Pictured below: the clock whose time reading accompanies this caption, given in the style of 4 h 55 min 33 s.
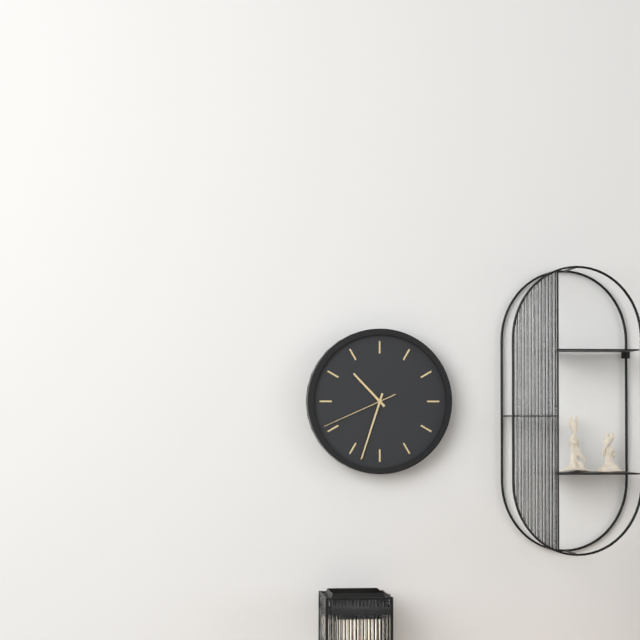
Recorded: 10 h 33 min 41 s
